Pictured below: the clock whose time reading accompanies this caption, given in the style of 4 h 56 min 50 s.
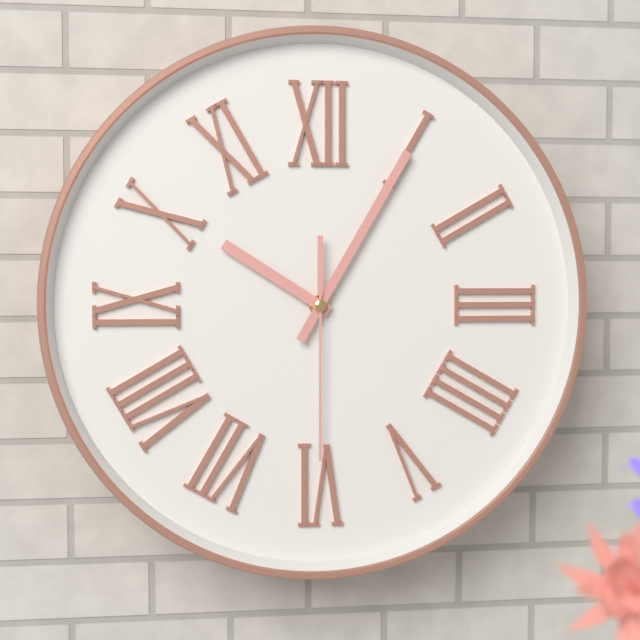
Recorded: 10 h 05 min 30 s
